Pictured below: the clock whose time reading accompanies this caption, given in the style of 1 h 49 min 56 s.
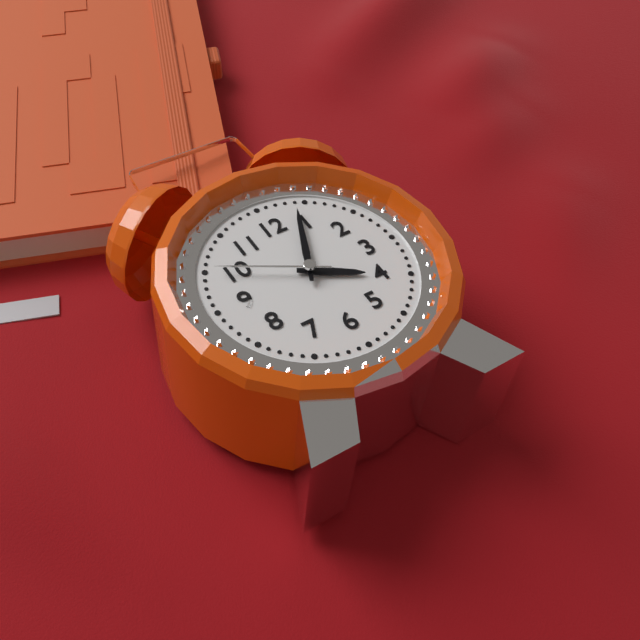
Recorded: 4 h 04 min 50 s
